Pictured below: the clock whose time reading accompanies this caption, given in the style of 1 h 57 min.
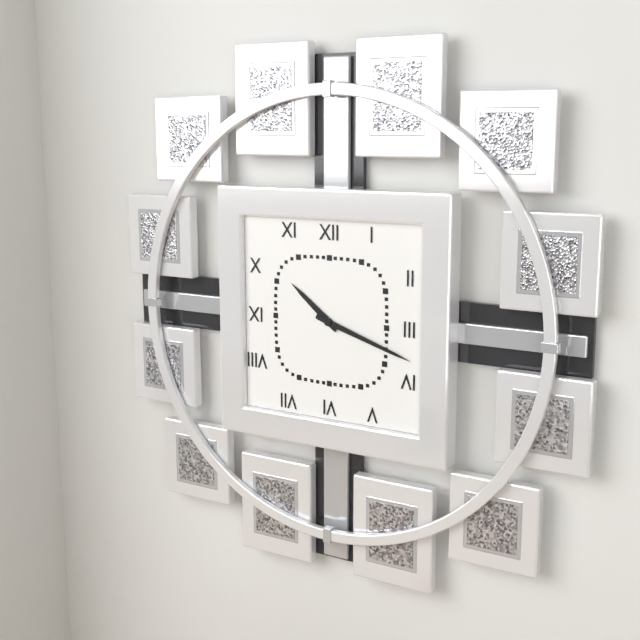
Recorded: 10 h 18 min
